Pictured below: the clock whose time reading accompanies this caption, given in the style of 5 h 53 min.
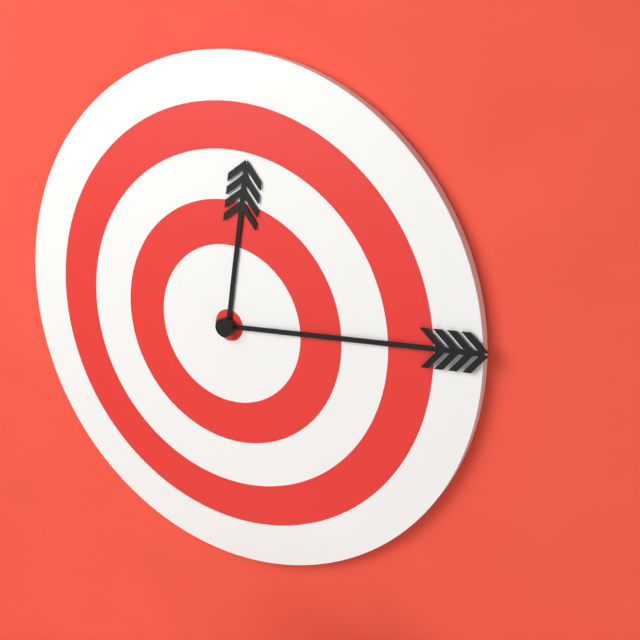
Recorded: 12 h 14 min
